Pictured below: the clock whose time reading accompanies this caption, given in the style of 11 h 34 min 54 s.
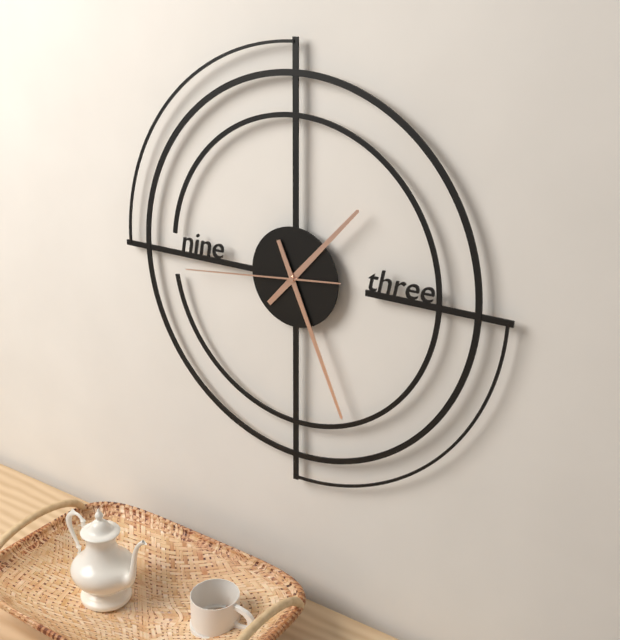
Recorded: 1 h 26 min 44 s
